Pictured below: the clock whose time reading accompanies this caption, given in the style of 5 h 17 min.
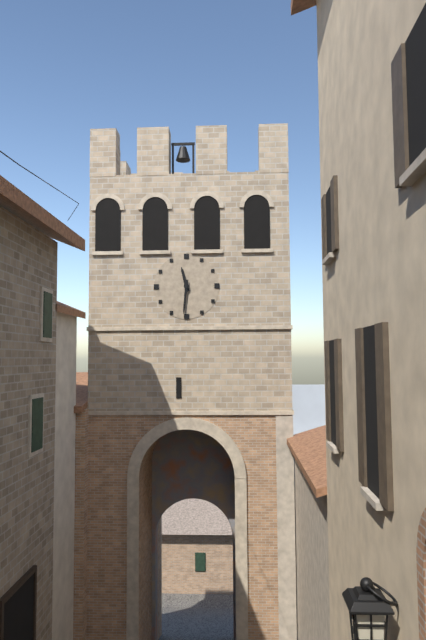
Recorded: 11 h 31 min
